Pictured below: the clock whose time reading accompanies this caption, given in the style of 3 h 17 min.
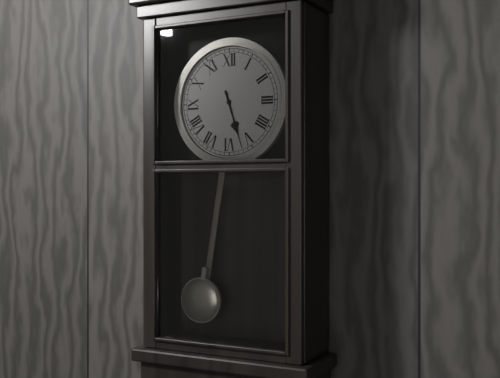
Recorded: 5 h 27 min
